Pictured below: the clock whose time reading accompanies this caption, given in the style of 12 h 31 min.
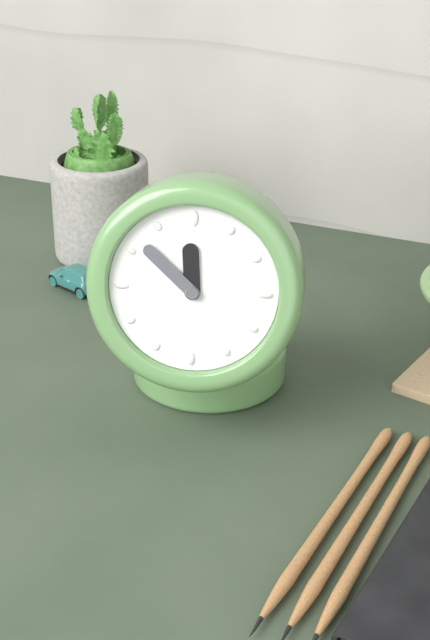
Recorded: 11 h 52 min
